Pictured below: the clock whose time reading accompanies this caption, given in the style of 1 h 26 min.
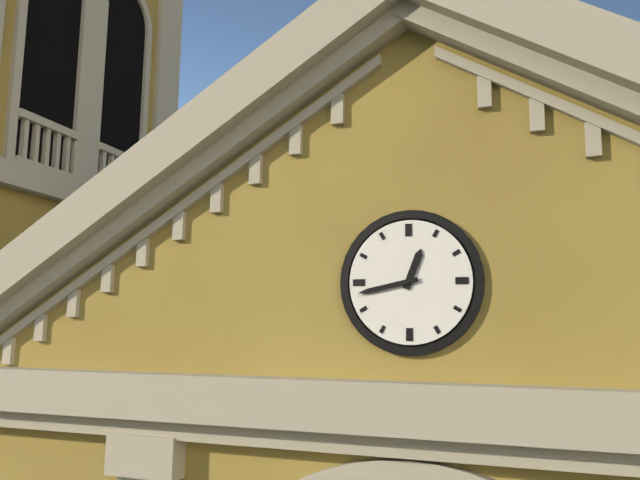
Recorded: 12 h 43 min
